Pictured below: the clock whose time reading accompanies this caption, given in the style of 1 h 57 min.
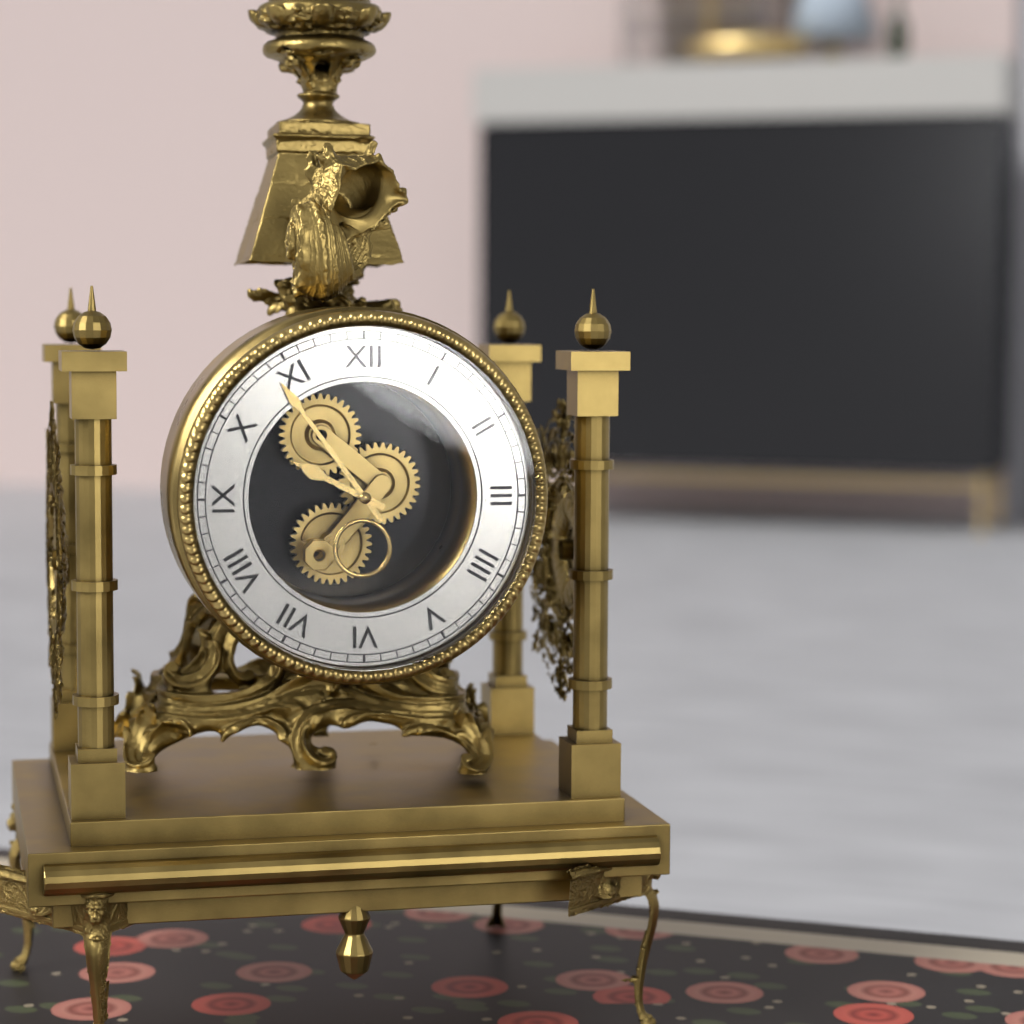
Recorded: 9 h 54 min
